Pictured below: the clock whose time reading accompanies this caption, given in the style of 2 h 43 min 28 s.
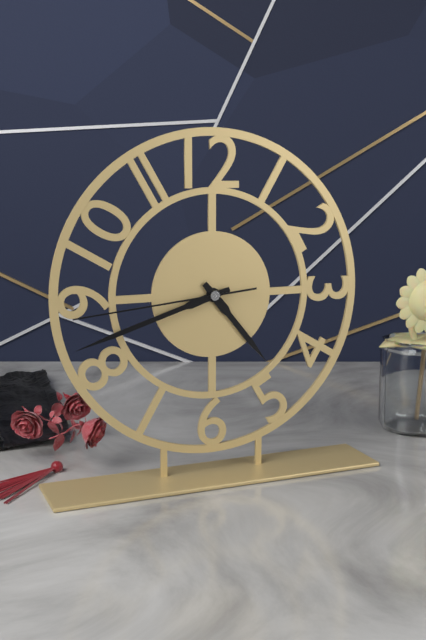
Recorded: 4 h 42 min 44 s
